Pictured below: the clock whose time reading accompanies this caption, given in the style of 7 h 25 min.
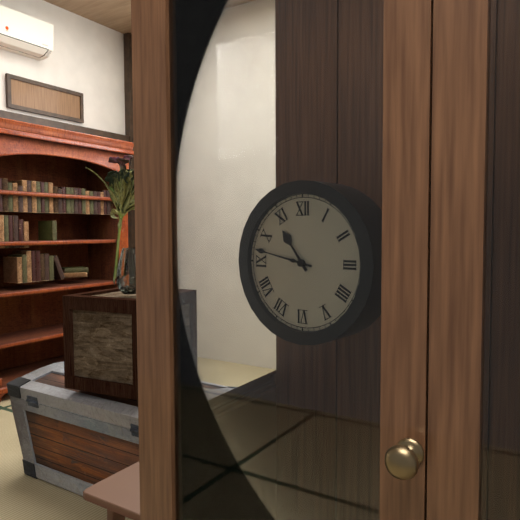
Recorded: 10 h 47 min
